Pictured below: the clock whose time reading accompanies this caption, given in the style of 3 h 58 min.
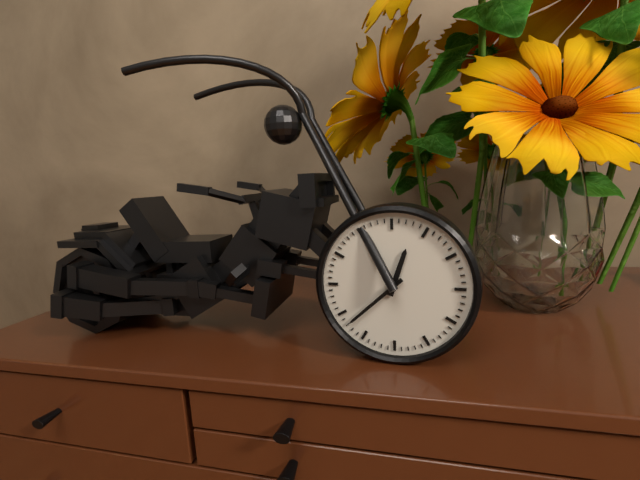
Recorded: 12 h 38 min
